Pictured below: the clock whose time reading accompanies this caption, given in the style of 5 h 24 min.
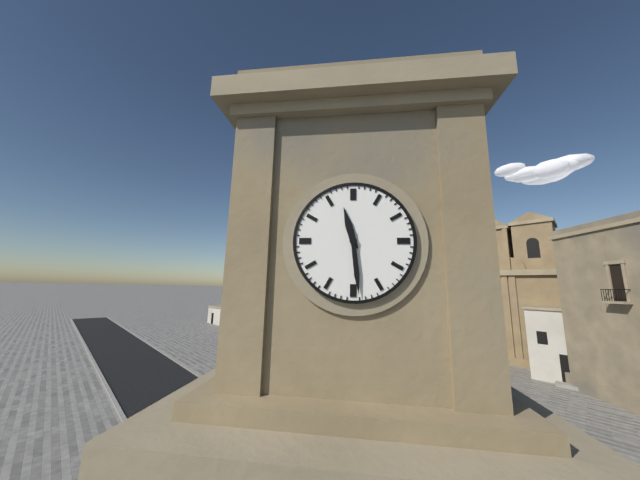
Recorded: 11 h 29 min
